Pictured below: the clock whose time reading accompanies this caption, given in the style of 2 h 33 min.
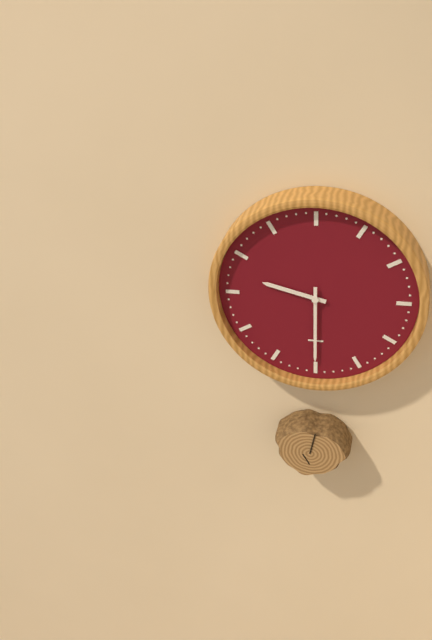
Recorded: 9 h 30 min
